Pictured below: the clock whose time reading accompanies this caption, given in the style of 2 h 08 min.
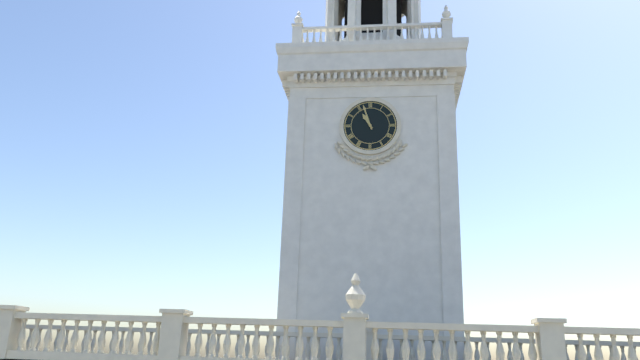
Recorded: 10 h 57 min
